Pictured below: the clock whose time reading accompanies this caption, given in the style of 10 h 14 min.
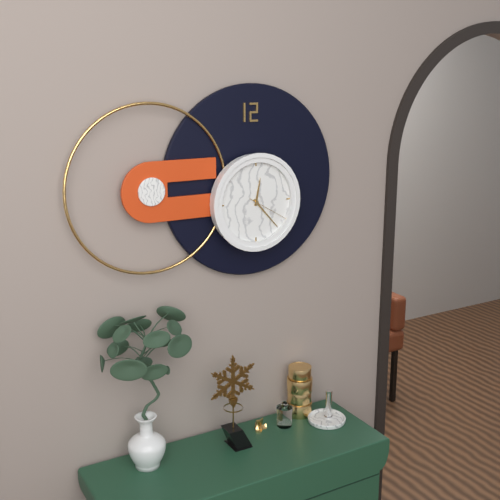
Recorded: 12 h 23 min
